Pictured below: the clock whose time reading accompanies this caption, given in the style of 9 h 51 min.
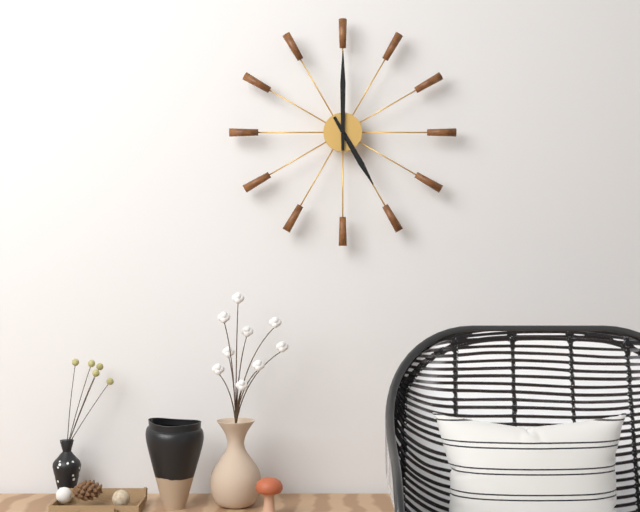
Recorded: 5 h 00 min
